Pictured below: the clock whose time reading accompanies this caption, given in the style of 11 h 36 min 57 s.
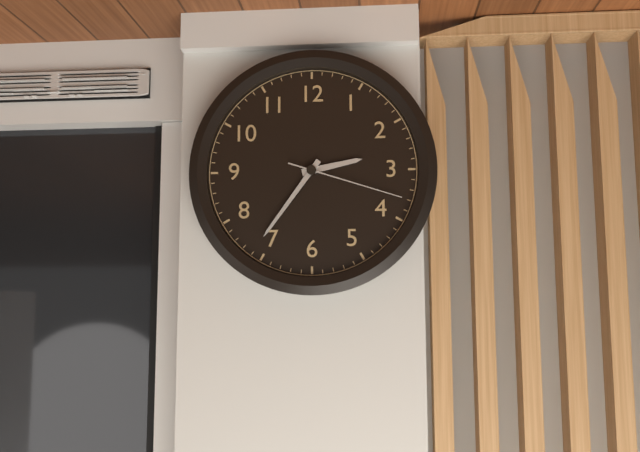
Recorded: 2 h 36 min 18 s
